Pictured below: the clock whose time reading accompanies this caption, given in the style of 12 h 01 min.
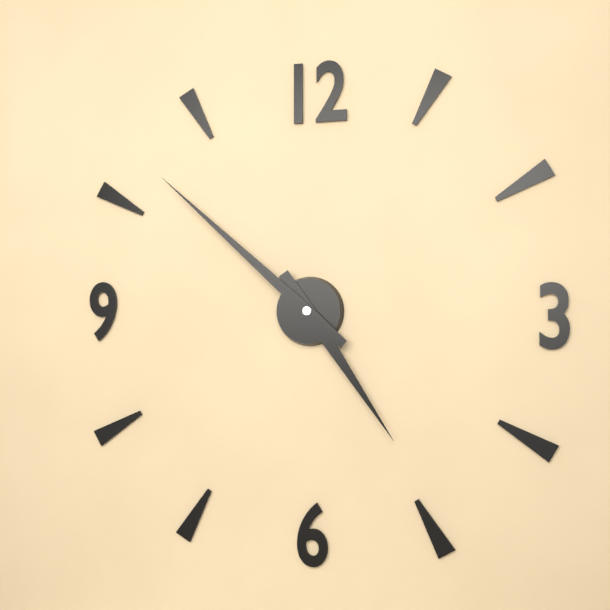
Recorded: 4 h 52 min
